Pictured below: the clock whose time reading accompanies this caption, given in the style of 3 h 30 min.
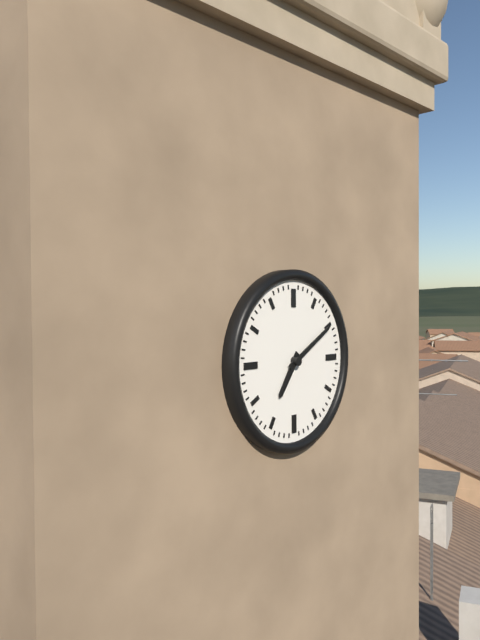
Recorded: 7 h 10 min
